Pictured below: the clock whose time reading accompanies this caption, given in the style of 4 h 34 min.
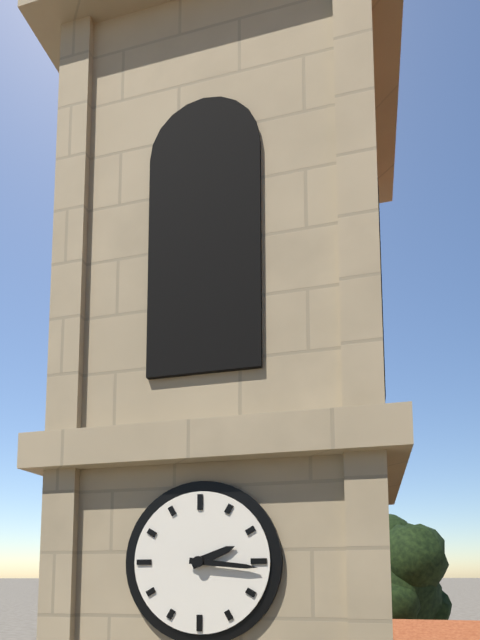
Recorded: 2 h 16 min
